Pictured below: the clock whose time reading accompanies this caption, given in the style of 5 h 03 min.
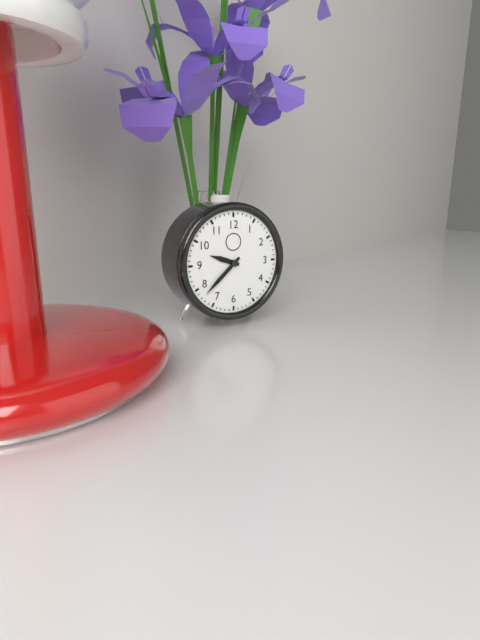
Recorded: 9 h 38 min
